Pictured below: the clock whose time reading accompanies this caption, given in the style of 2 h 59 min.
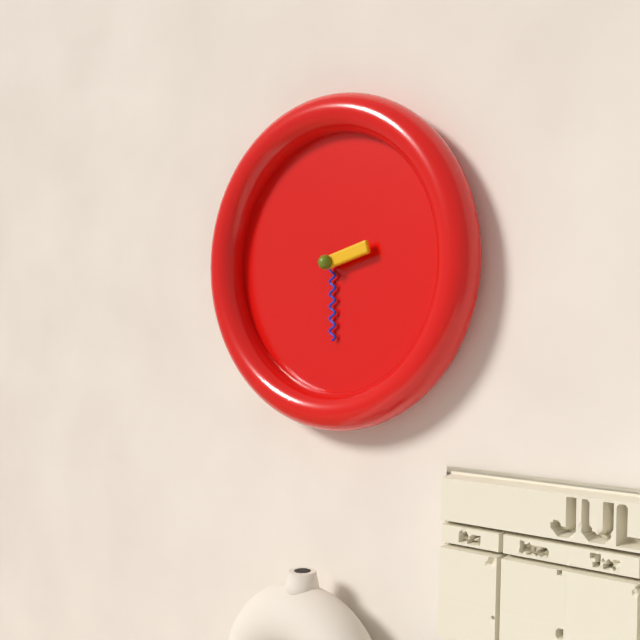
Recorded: 2 h 30 min
